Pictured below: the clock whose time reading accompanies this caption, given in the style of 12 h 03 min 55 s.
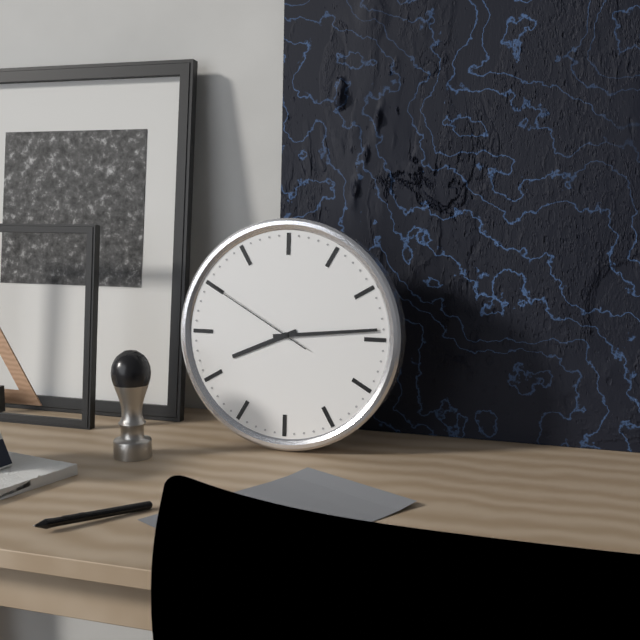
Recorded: 8 h 14 min 50 s
